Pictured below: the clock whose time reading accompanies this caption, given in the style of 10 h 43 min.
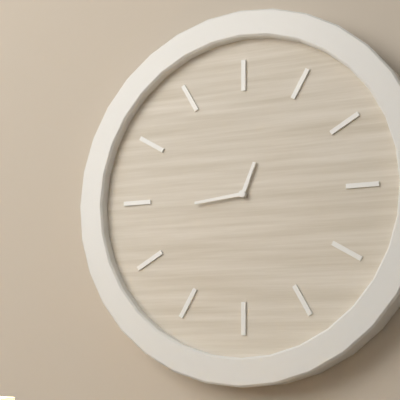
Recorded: 12 h 44 min
